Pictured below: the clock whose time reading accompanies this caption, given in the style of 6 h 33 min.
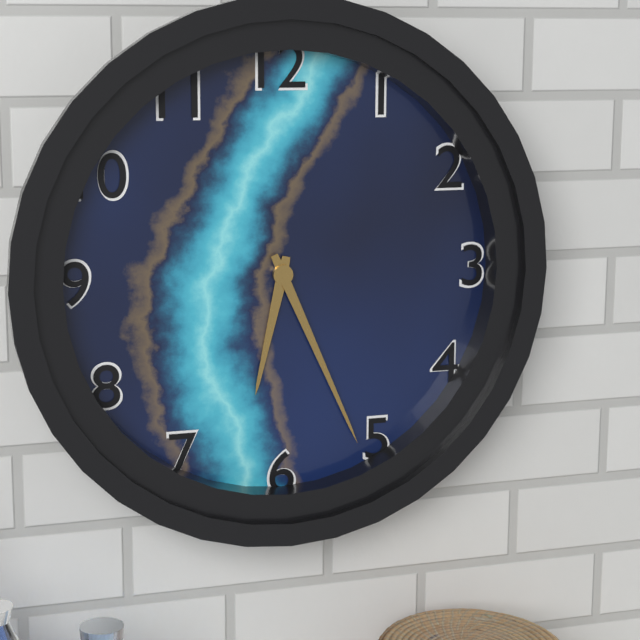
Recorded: 6 h 26 min
